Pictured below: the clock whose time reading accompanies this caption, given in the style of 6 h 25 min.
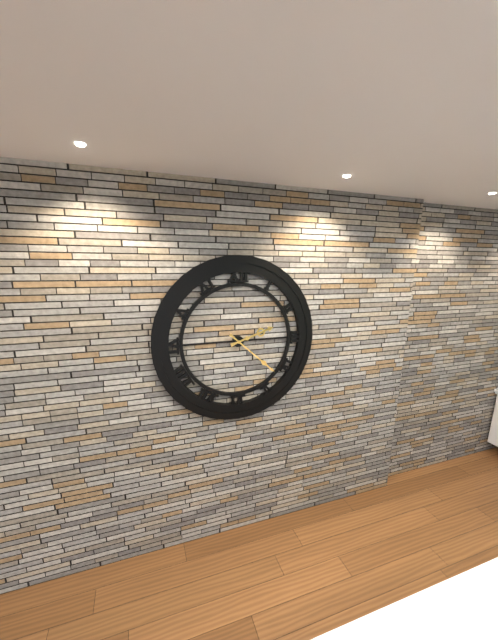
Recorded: 2 h 22 min
